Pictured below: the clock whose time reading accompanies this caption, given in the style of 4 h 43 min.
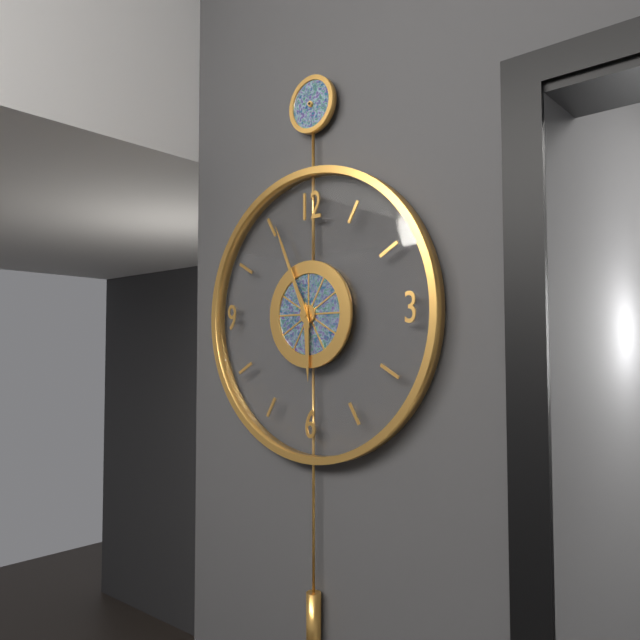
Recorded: 5 h 56 min
